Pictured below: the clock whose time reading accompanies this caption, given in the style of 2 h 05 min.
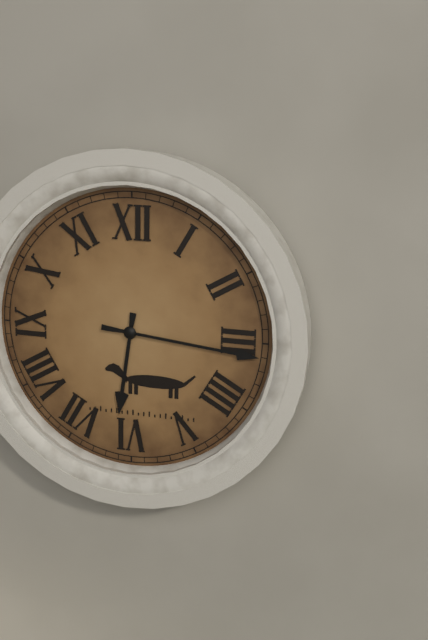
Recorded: 6 h 16 min
